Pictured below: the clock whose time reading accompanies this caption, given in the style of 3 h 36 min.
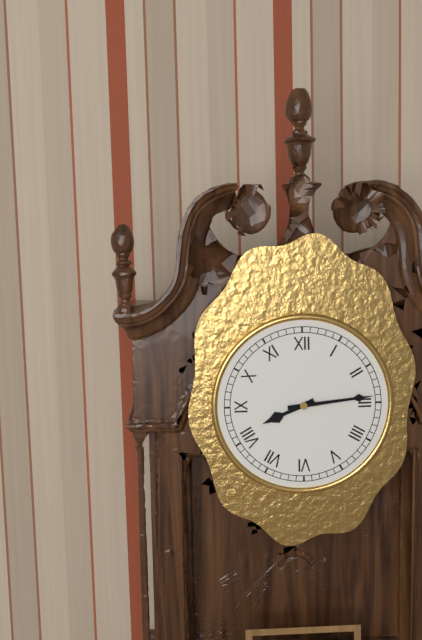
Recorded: 8 h 14 min
